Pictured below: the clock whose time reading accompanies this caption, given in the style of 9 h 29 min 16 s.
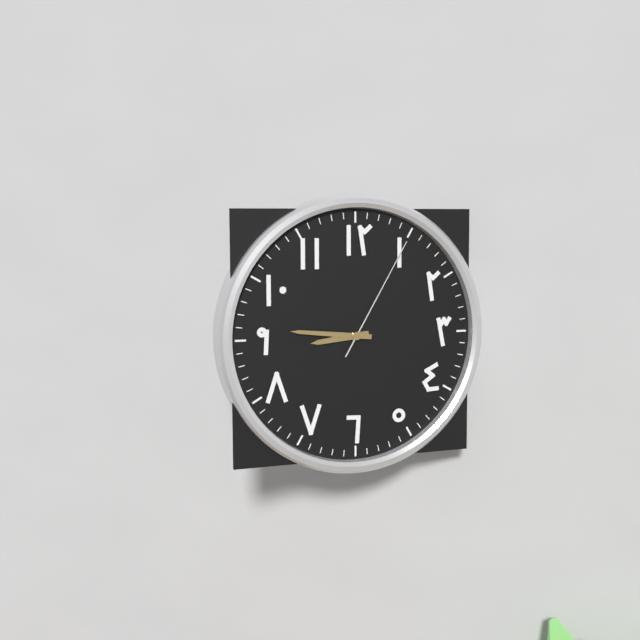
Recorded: 8 h 46 min 05 s
